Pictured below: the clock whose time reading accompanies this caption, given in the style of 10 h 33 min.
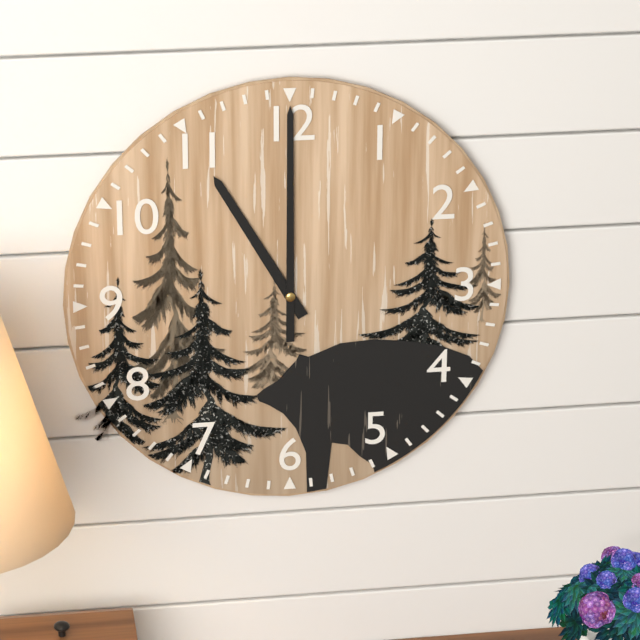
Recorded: 11 h 00 min
